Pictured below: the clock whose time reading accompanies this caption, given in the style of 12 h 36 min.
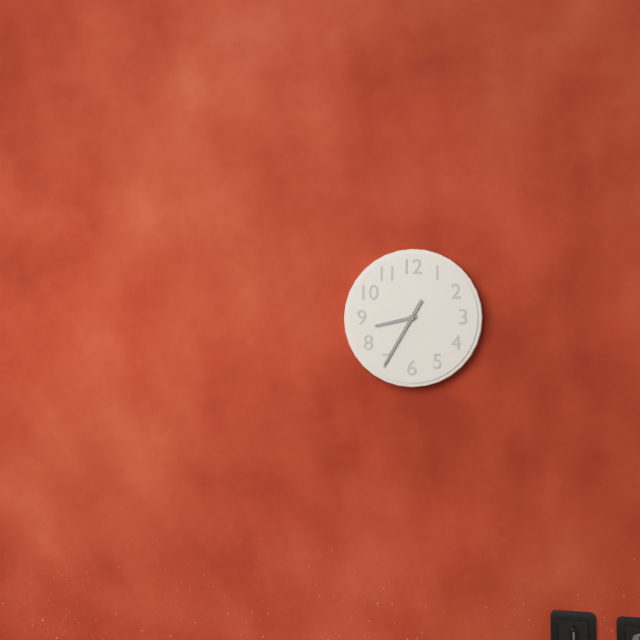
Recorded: 8 h 35 min
